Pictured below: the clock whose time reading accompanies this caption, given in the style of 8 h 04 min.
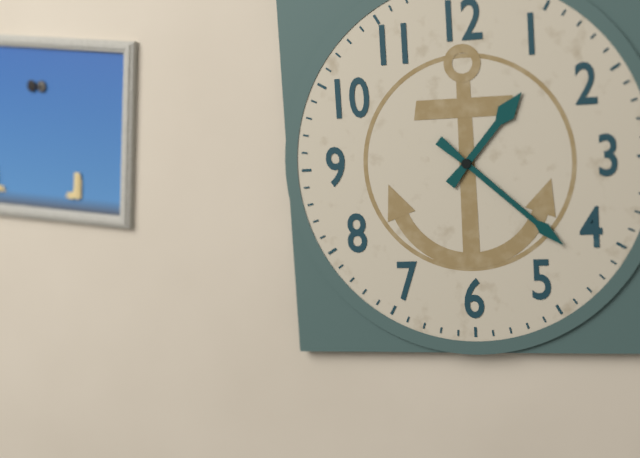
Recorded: 1 h 22 min
